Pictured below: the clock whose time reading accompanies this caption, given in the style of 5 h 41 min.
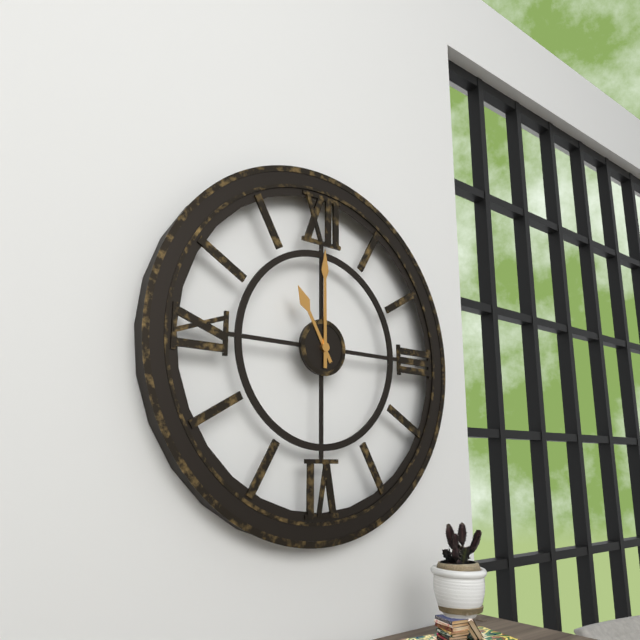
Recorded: 11 h 00 min
